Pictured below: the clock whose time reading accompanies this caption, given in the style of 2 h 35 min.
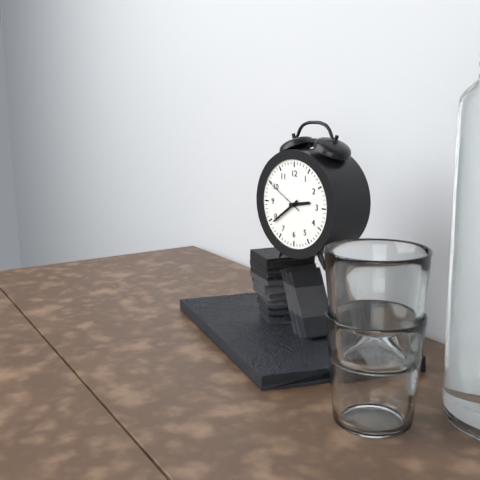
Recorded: 2 h 39 min
